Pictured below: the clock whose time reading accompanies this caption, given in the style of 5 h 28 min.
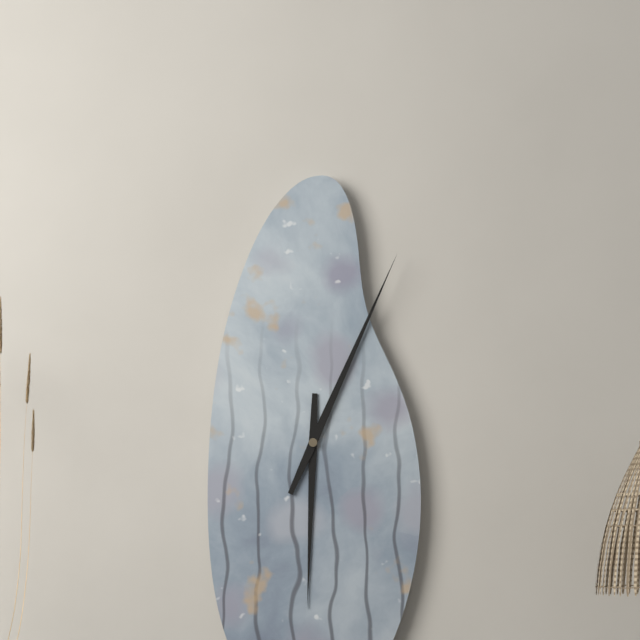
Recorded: 6 h 04 min
